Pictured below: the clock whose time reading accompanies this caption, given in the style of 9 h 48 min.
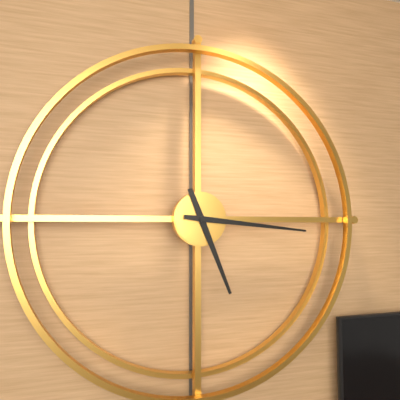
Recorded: 5 h 16 min
